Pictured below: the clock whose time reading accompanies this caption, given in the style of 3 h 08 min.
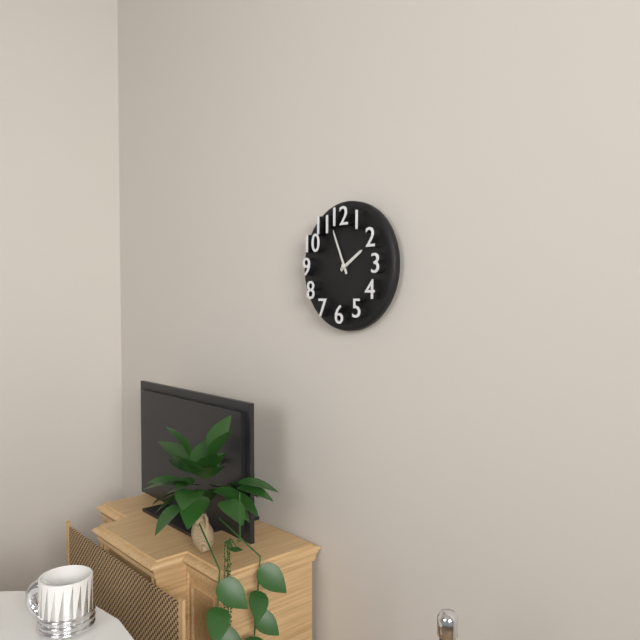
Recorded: 1 h 56 min
